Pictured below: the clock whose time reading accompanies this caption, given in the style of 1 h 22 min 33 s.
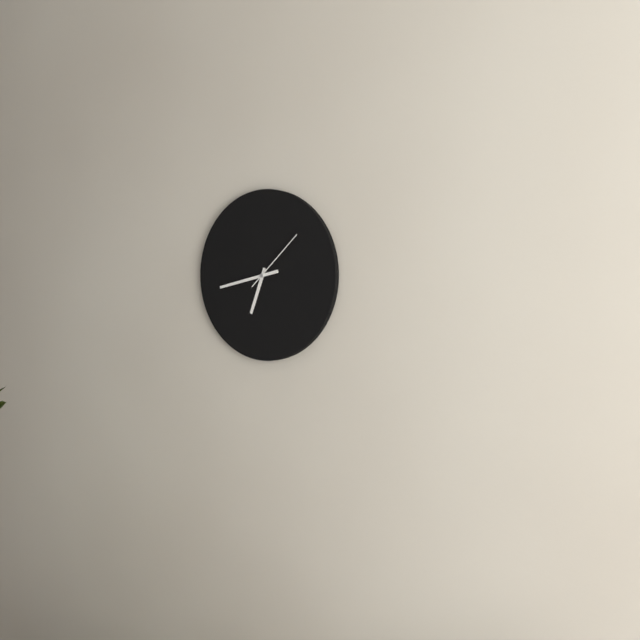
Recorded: 6 h 43 min 08 s
